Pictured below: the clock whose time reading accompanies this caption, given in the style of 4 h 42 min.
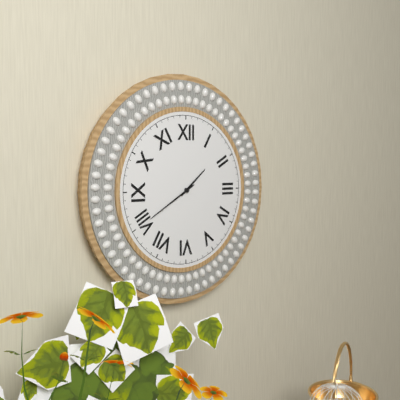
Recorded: 1 h 40 min
